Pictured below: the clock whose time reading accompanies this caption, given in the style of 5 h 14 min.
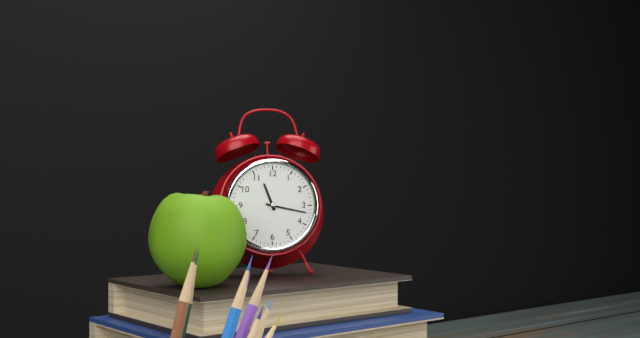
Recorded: 11 h 17 min
